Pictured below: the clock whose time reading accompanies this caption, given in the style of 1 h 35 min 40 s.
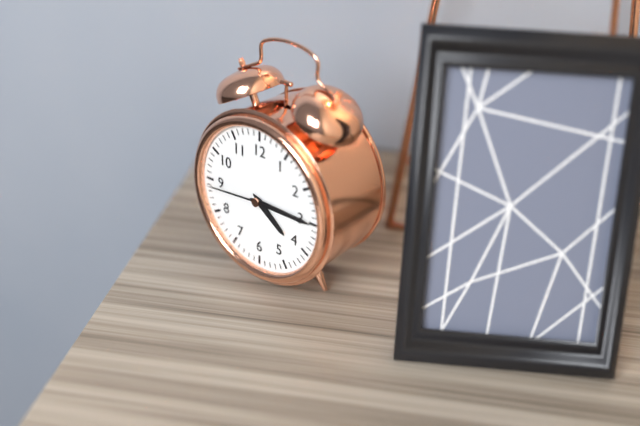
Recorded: 4 h 15 min 44 s
